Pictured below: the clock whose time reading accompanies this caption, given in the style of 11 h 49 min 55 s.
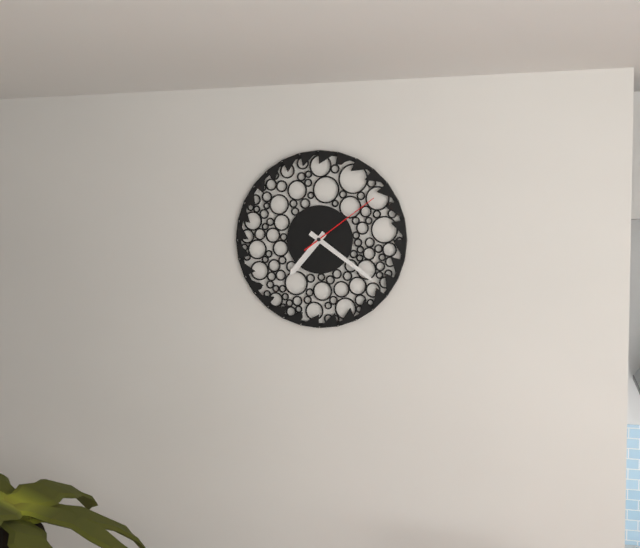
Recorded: 7 h 21 min 09 s
